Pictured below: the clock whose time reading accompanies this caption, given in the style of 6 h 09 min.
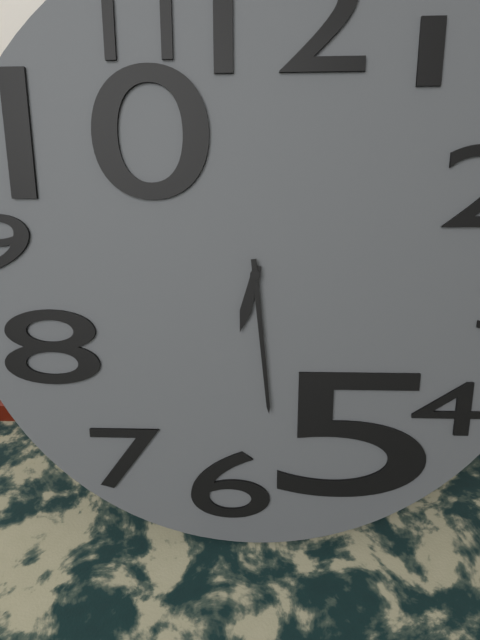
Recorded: 6 h 29 min
